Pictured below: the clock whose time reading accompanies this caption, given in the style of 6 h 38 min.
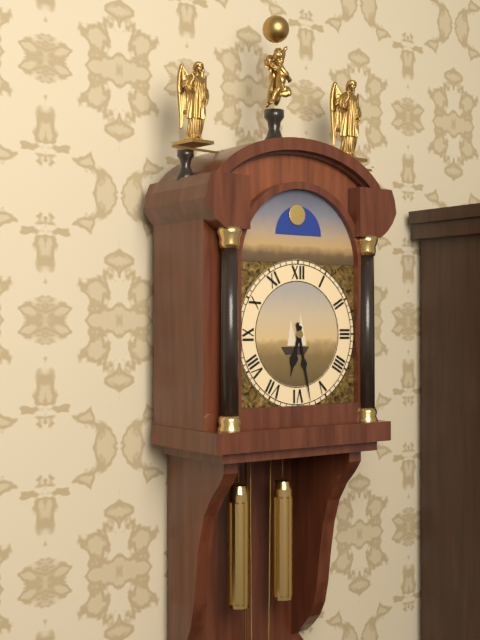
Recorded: 6 h 28 min
